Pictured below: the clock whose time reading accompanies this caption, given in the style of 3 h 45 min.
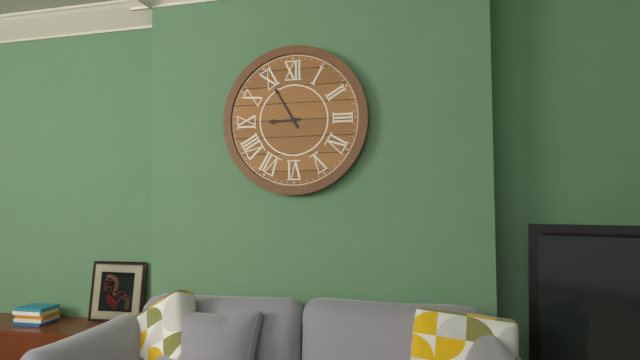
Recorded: 8 h 55 min
